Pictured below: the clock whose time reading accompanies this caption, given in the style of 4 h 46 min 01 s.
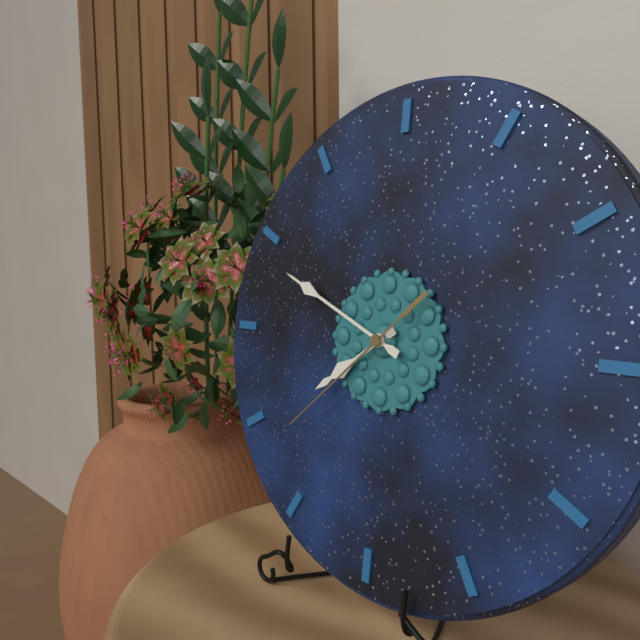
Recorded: 7 h 49 min 38 s
